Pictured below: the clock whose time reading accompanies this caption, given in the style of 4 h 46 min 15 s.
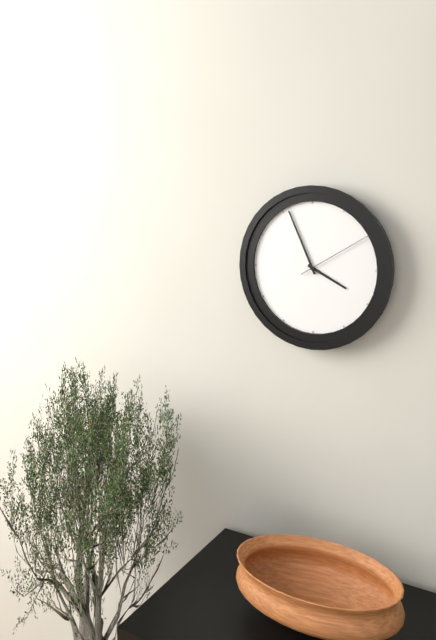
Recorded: 3 h 56 min 10 s
